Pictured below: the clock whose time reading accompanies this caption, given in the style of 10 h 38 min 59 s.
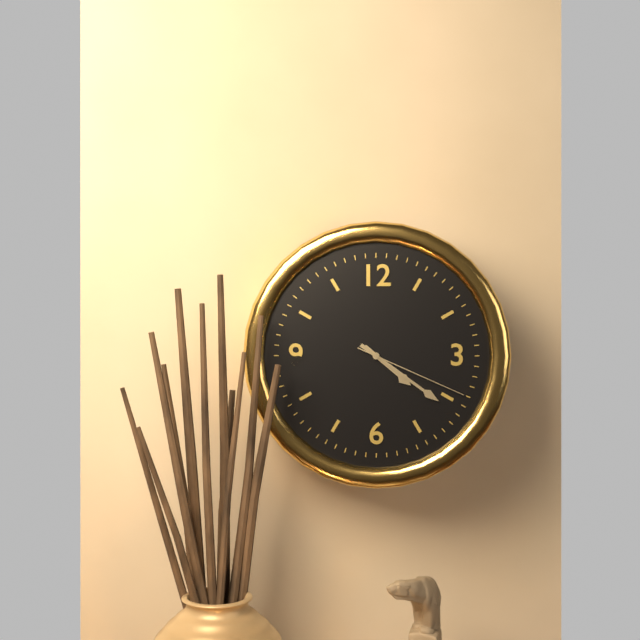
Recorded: 4 h 21 min 19 s
